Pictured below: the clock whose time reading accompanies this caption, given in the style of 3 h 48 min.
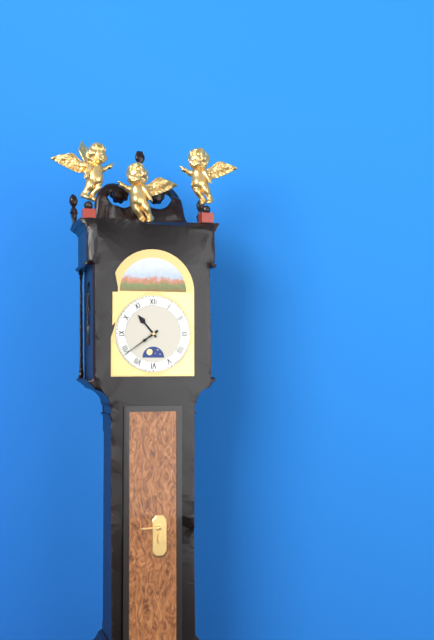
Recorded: 10 h 39 min
